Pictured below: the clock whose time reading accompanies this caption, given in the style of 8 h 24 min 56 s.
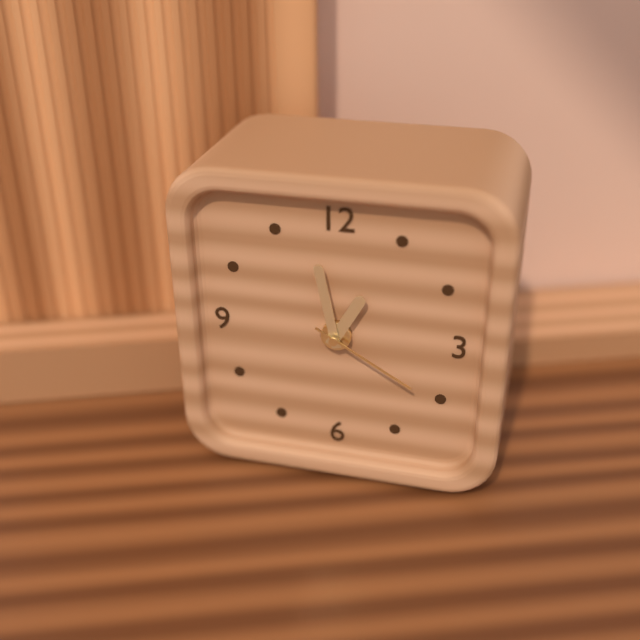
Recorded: 12 h 58 min 20 s
